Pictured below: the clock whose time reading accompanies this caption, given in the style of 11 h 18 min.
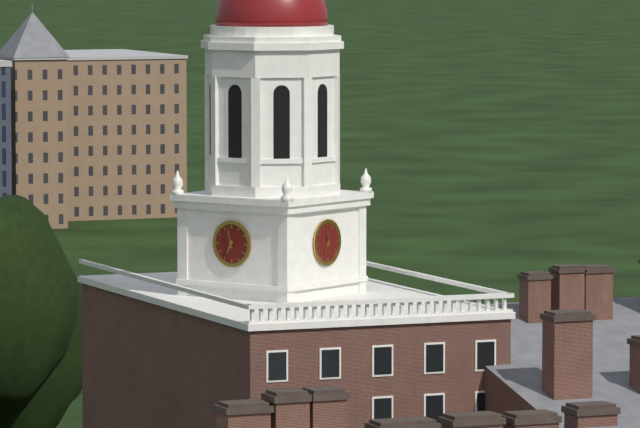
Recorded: 6 h 58 min
